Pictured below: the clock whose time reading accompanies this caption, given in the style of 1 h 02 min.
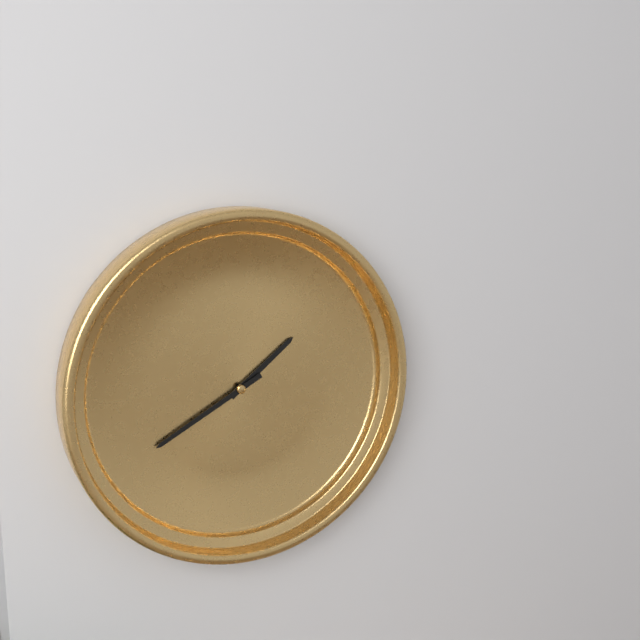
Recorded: 1 h 40 min
